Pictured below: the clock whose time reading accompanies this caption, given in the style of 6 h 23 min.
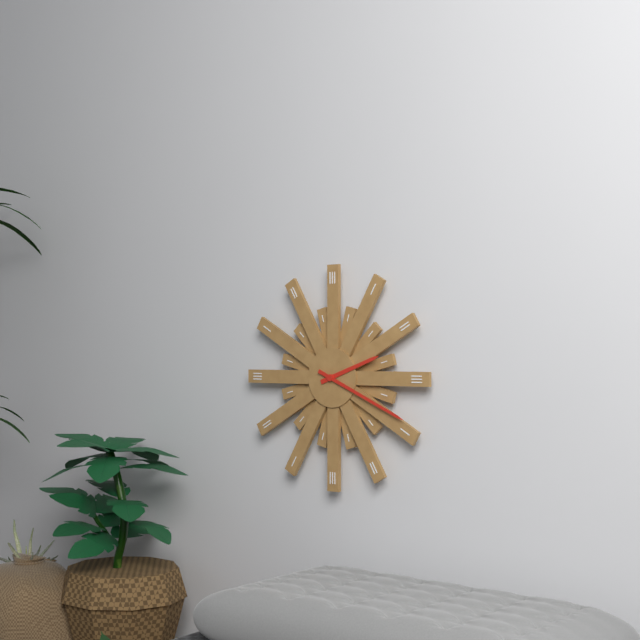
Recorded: 2 h 19 min
